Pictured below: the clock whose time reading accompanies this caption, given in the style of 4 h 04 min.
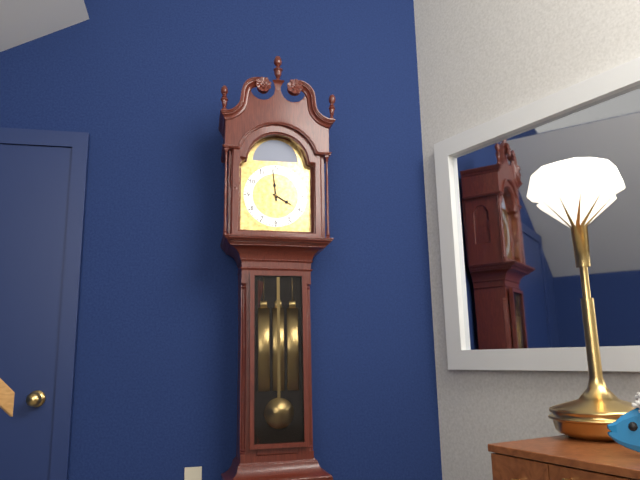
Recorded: 3 h 59 min
